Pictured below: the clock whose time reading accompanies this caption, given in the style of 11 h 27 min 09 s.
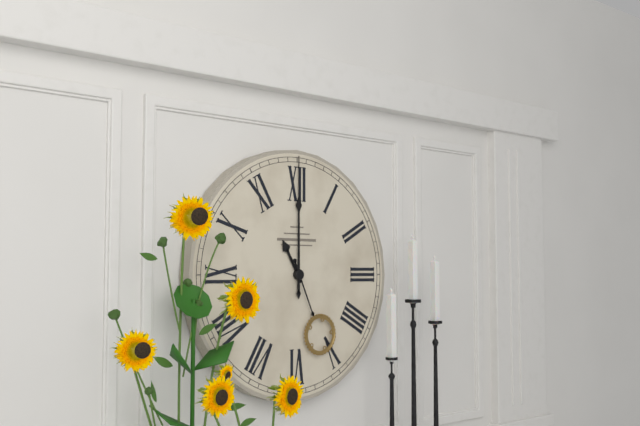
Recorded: 11 h 00 min 26 s
